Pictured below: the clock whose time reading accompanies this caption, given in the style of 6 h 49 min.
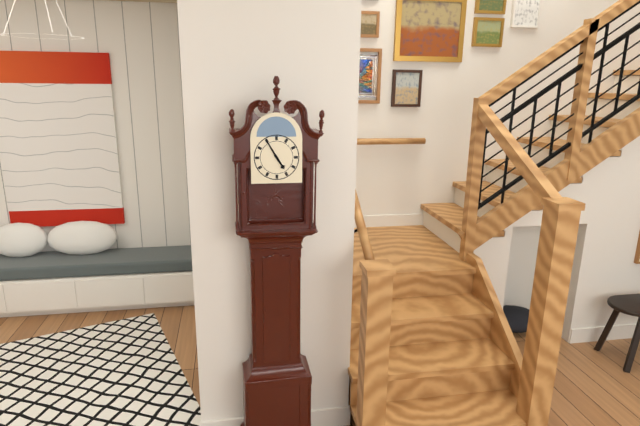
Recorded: 4 h 55 min
